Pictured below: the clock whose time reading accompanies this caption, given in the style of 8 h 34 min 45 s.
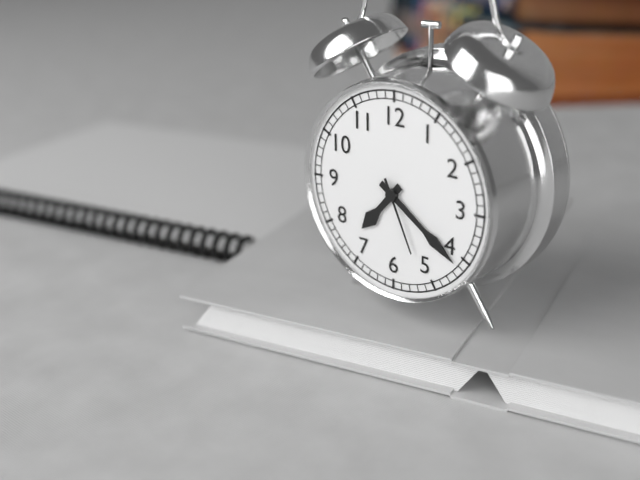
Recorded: 7 h 21 min 26 s
